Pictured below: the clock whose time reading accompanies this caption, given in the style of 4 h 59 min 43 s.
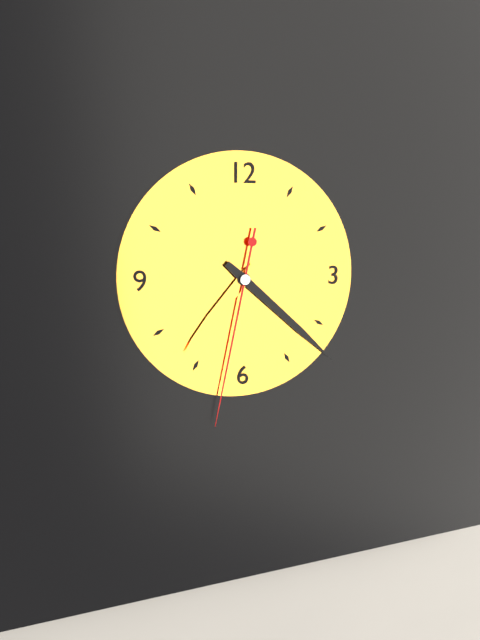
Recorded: 7 h 22 min 32 s
